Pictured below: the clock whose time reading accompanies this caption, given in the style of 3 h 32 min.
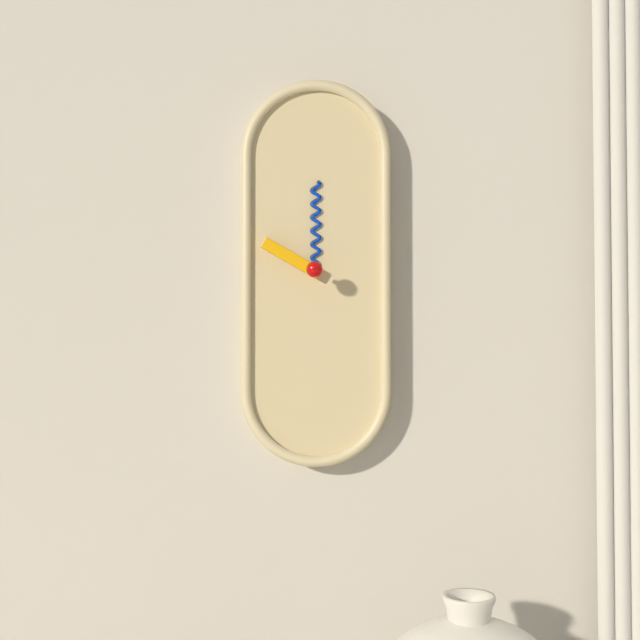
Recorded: 10 h 00 min
